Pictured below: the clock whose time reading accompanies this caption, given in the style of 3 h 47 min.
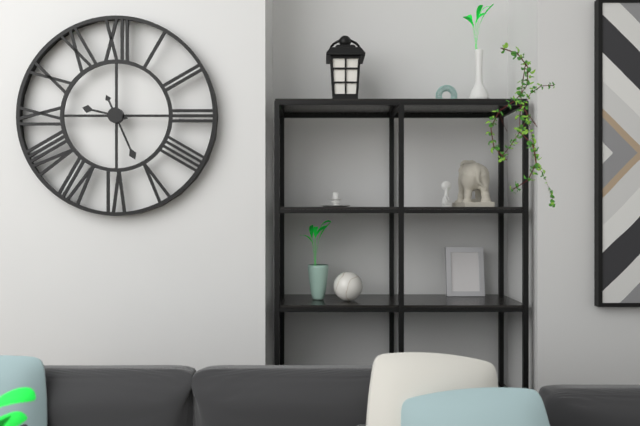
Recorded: 9 h 26 min
